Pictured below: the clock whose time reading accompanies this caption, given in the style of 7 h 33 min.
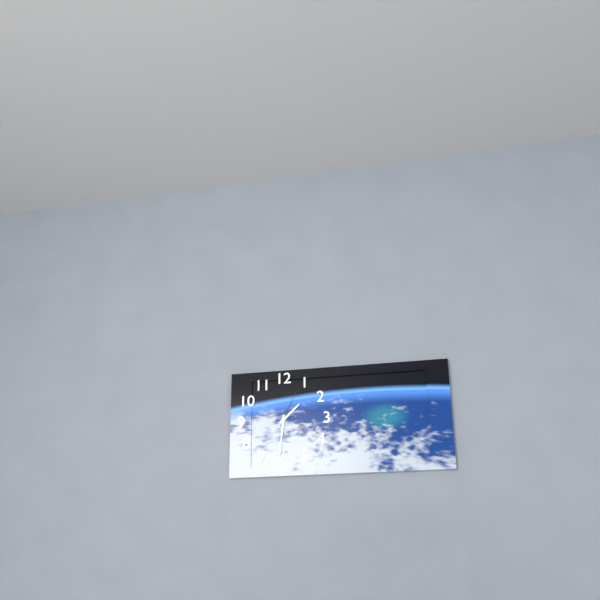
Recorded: 1 h 31 min
